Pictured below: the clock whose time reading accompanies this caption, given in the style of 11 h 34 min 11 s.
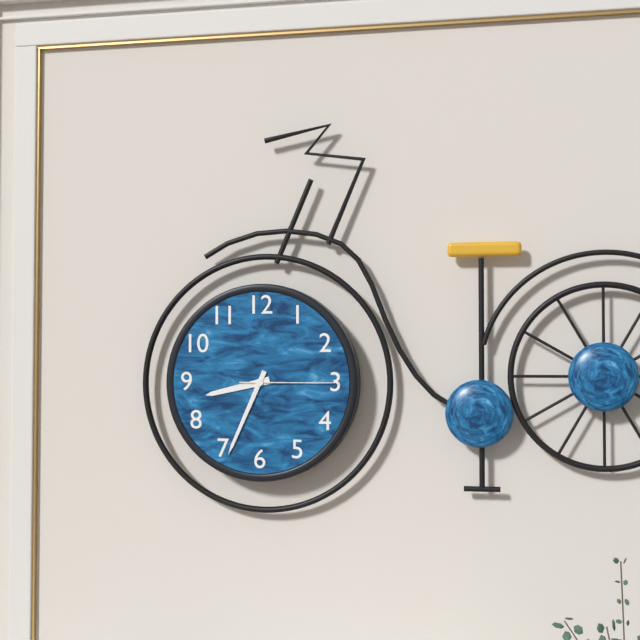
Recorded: 8 h 34 min 15 s
